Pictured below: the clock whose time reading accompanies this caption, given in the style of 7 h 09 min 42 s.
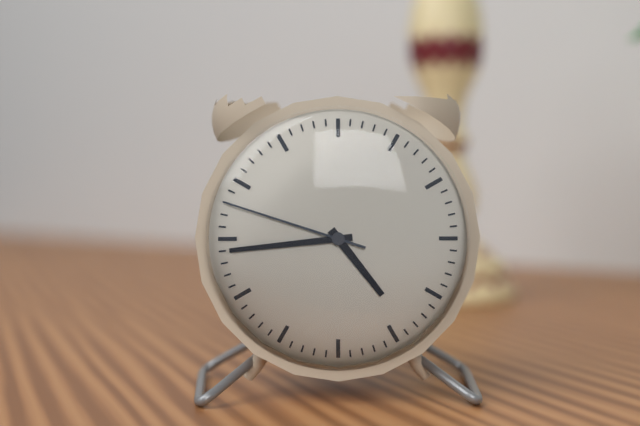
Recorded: 4 h 44 min 48 s
